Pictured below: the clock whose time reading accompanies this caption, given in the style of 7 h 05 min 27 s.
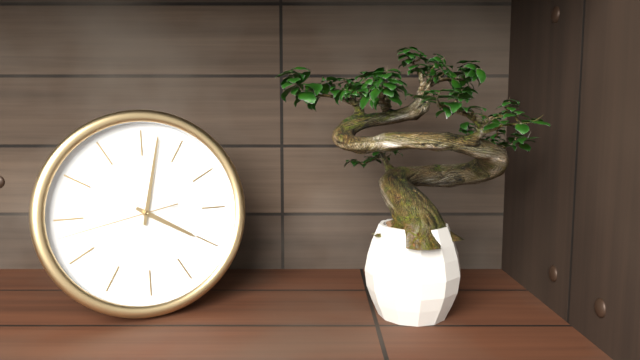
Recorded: 4 h 02 min 43 s
